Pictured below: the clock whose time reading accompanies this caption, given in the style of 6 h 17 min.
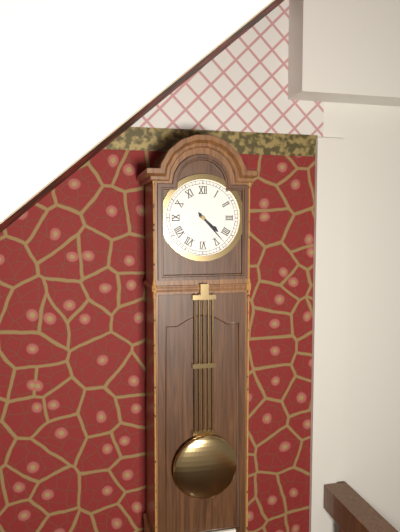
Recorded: 4 h 23 min
